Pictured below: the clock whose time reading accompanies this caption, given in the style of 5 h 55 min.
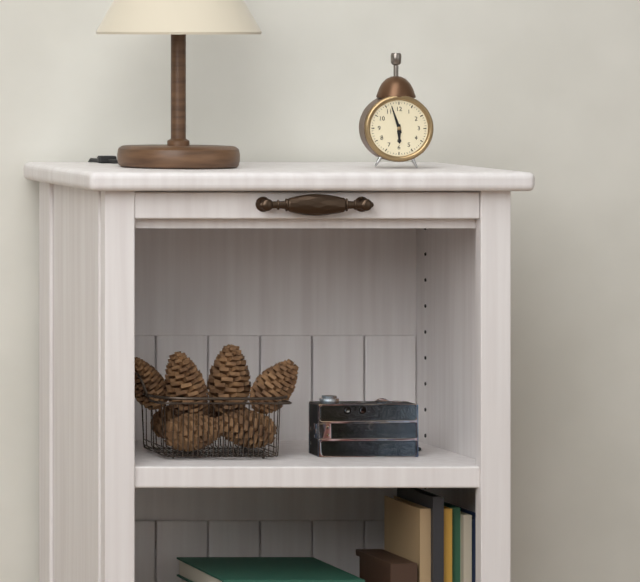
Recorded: 5 h 57 min
